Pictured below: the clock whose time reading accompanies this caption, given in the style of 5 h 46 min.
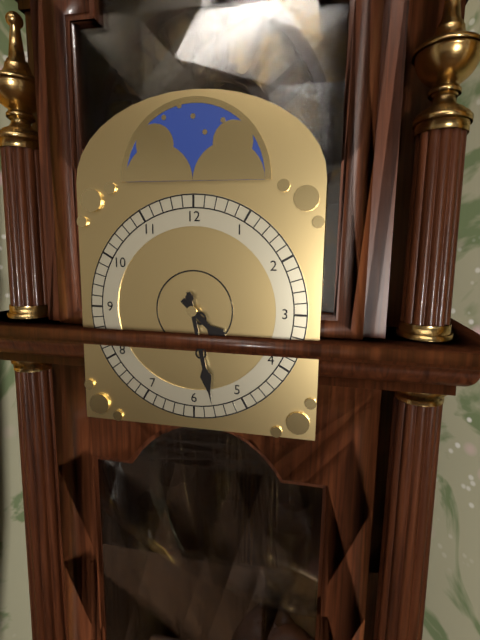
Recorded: 4 h 28 min
